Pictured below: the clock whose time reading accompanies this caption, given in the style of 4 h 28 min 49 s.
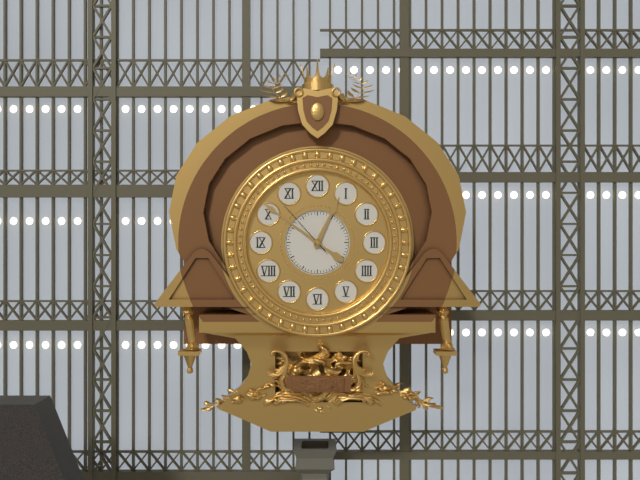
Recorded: 12 h 51 min 53 s
